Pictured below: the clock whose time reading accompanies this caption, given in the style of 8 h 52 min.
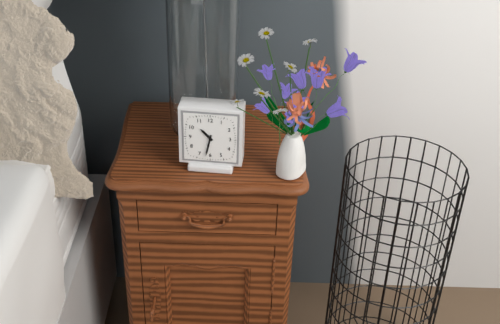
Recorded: 10 h 32 min
